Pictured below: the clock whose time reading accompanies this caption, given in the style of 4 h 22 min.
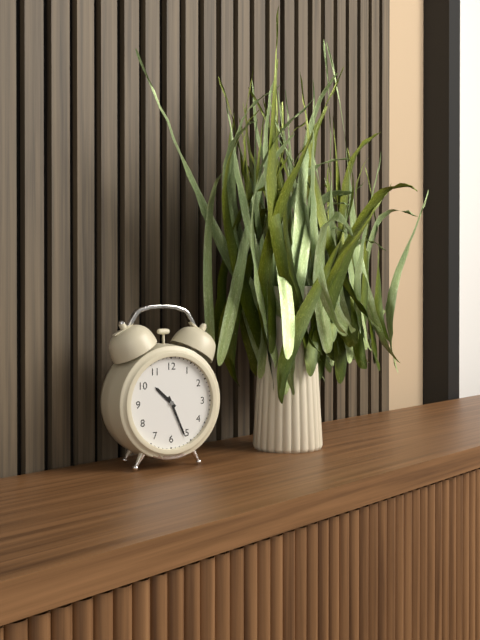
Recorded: 10 h 26 min
